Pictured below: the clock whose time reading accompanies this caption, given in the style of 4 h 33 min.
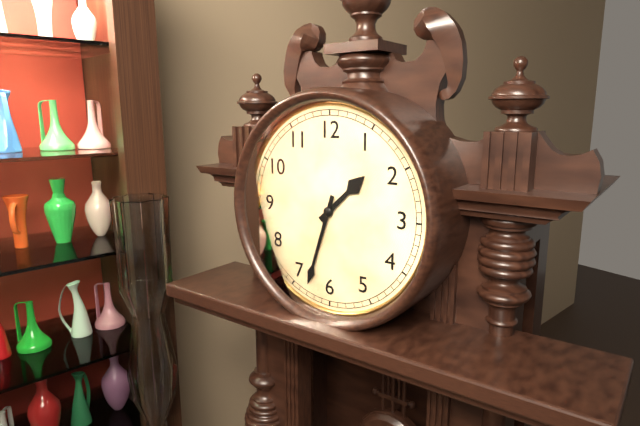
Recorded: 1 h 33 min
